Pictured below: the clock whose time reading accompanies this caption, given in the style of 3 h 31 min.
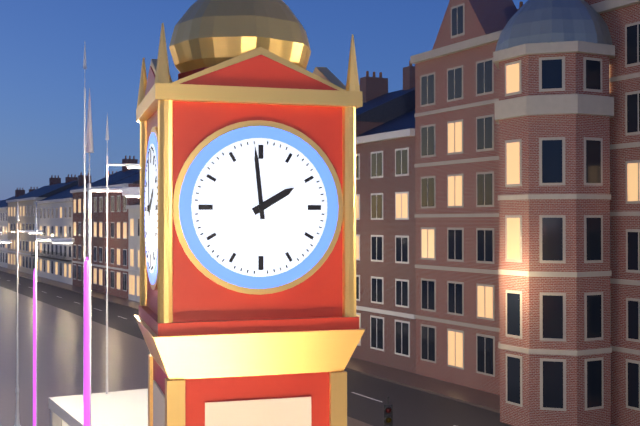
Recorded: 1 h 59 min
